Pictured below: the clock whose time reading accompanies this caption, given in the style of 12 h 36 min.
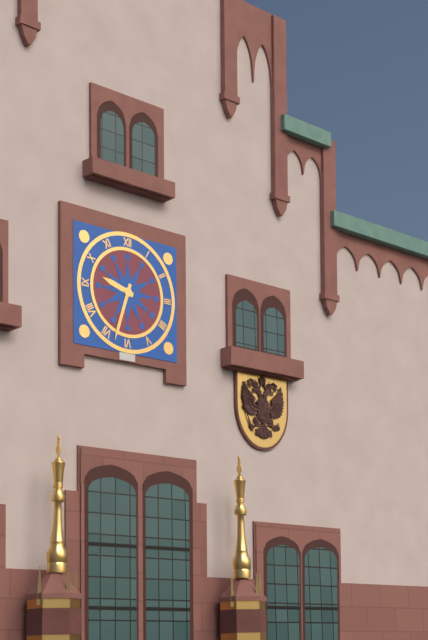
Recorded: 9 h 33 min
